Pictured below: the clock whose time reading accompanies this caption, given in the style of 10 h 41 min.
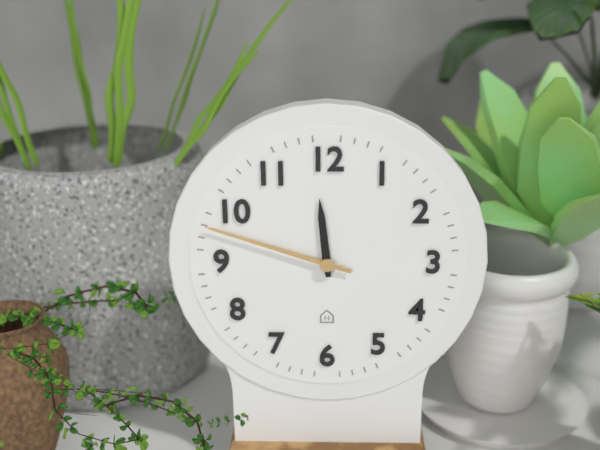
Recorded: 11 h 48 min
